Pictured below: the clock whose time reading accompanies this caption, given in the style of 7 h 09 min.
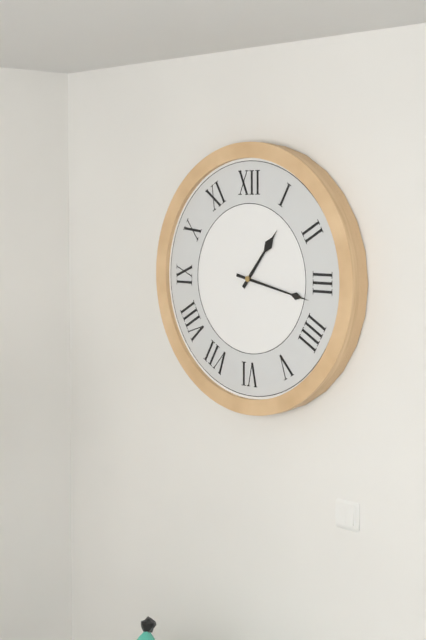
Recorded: 1 h 17 min
